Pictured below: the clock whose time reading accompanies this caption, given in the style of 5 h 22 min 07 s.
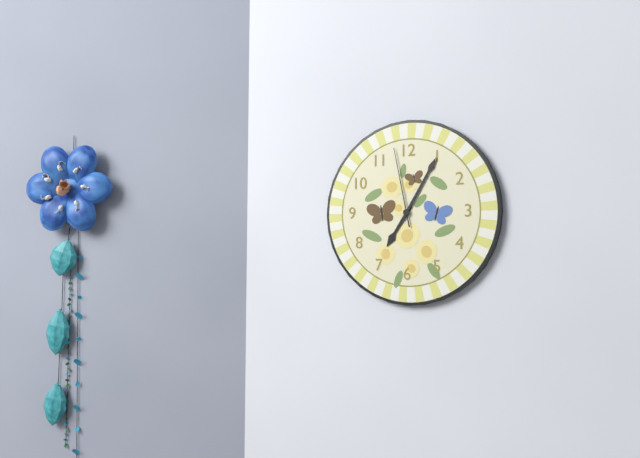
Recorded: 7 h 05 min 58 s
